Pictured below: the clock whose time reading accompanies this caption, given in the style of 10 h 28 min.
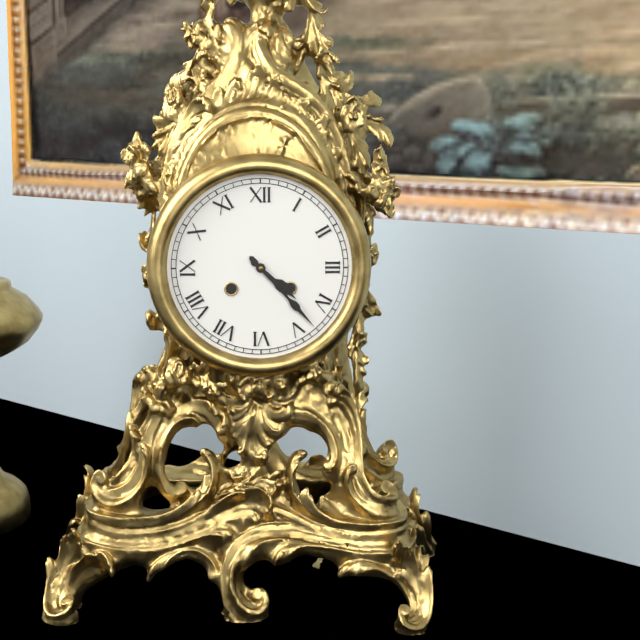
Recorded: 4 h 23 min
